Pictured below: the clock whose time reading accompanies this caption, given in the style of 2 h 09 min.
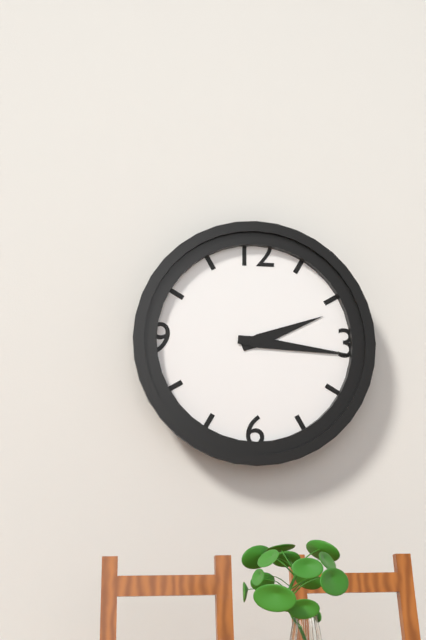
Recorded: 2 h 16 min
